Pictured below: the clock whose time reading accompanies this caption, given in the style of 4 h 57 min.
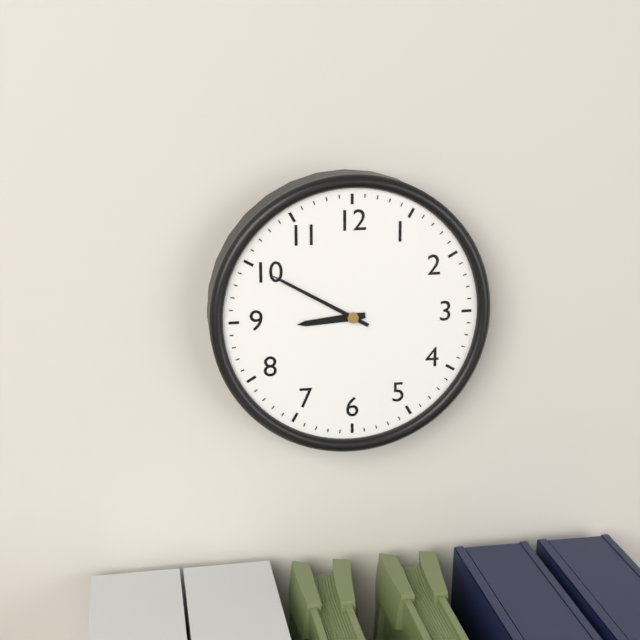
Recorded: 8 h 50 min
